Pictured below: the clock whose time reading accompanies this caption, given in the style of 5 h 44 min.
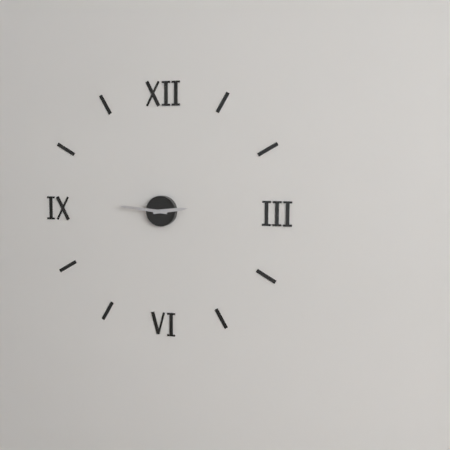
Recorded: 2 h 46 min
